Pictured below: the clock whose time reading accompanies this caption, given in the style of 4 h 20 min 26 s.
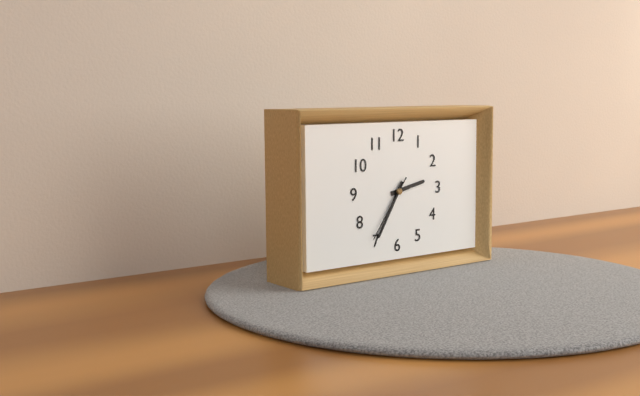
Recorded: 2 h 35 min 36 s
